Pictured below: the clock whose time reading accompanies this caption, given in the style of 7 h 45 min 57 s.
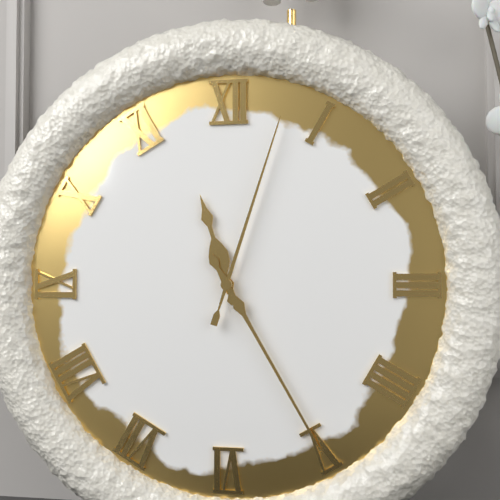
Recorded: 11 h 25 min 03 s
